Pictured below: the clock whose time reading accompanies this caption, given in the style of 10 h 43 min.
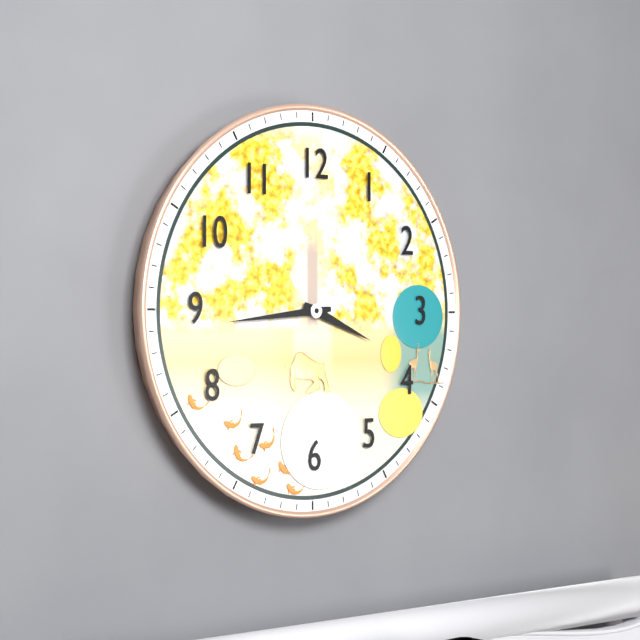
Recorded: 3 h 44 min
